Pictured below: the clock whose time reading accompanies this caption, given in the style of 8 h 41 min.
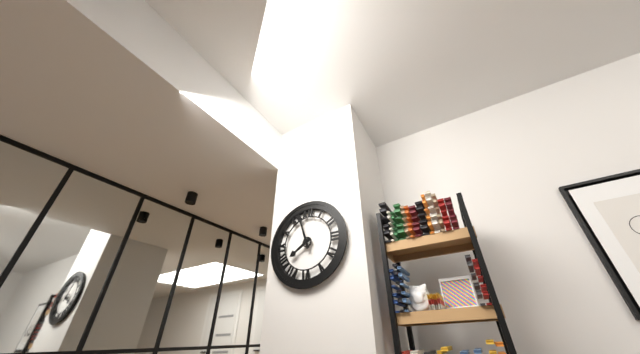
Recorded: 7 h 57 min
